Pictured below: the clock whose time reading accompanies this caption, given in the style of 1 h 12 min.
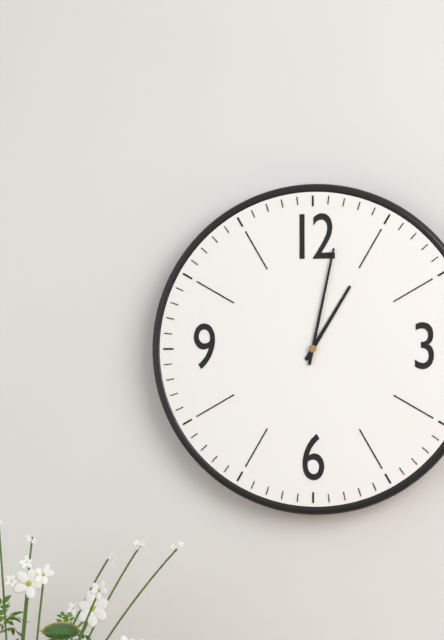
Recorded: 1 h 02 min
